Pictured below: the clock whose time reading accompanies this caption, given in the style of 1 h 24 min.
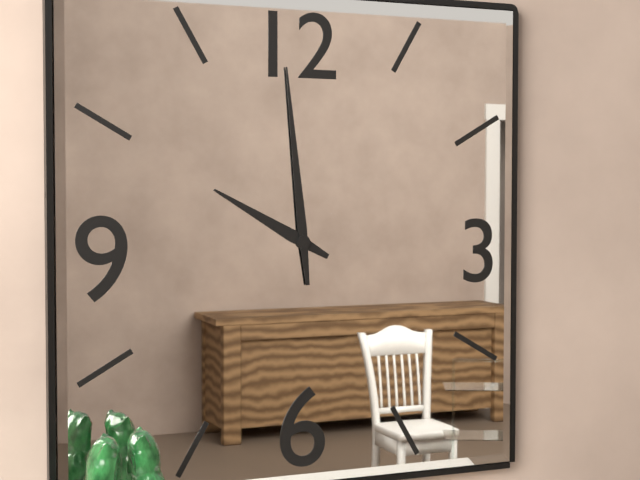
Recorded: 9 h 59 min
